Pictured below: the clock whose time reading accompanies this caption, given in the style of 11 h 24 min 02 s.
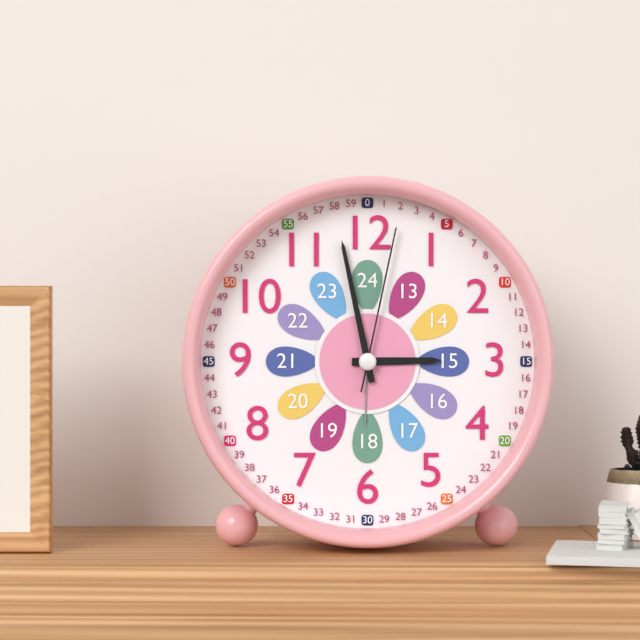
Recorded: 2 h 58 min 02 s
